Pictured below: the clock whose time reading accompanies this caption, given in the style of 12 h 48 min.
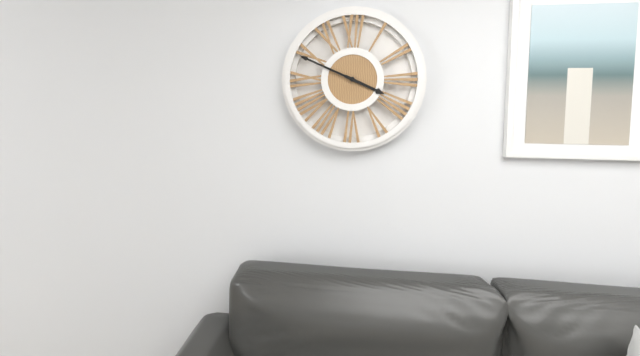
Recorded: 3 h 49 min
